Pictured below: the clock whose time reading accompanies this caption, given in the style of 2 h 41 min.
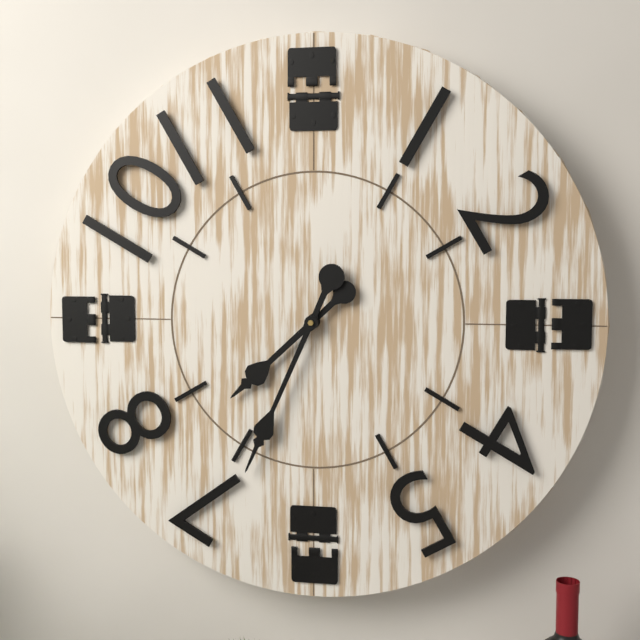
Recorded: 7 h 34 min
